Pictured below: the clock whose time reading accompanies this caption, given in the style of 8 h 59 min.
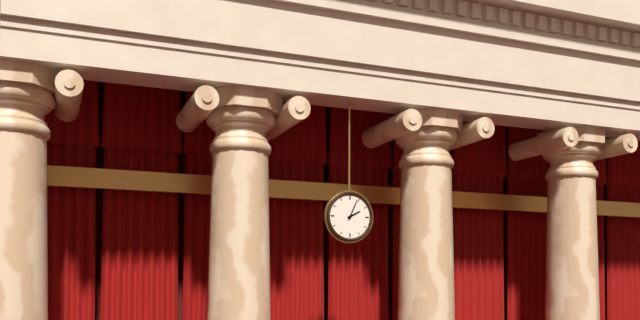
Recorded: 2 h 04 min
